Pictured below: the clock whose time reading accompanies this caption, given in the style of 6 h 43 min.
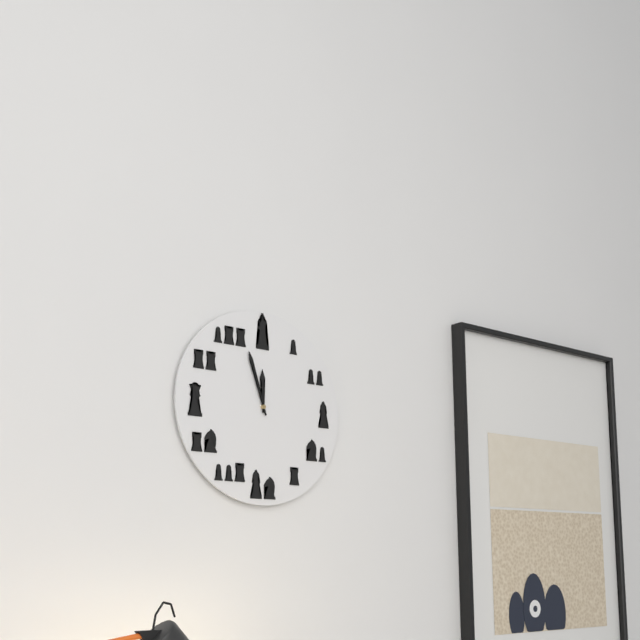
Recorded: 11 h 57 min
